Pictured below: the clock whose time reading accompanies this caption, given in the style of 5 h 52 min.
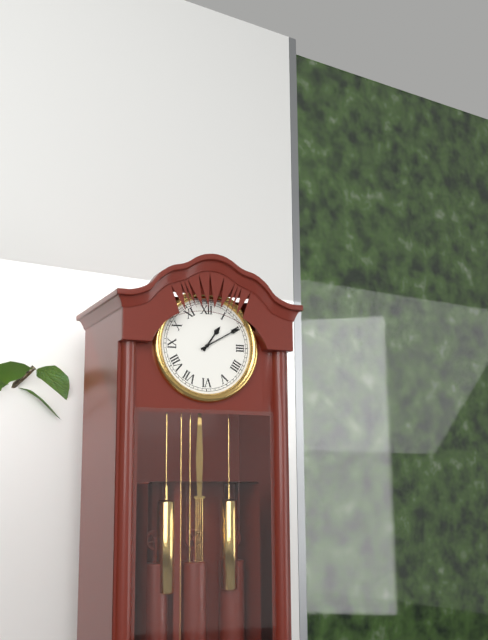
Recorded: 1 h 10 min
